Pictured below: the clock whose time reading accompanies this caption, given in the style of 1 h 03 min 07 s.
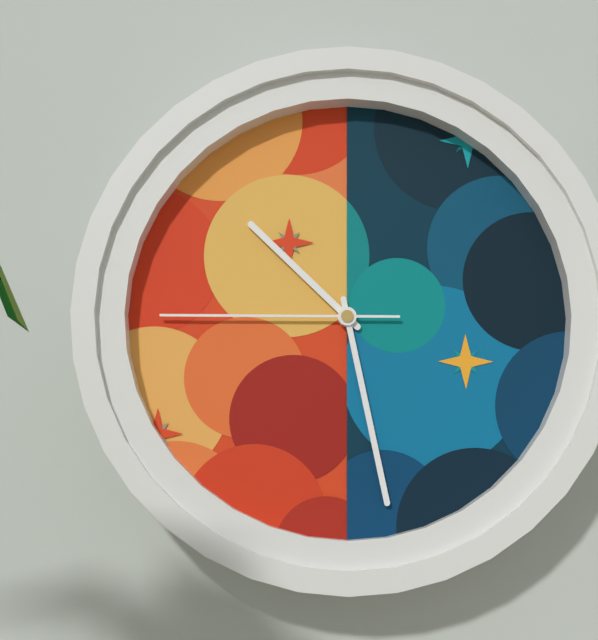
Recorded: 10 h 28 min 45 s
